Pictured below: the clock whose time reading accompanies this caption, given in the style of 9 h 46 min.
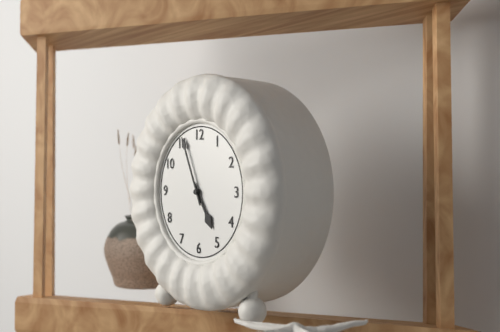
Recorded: 4 h 56 min
